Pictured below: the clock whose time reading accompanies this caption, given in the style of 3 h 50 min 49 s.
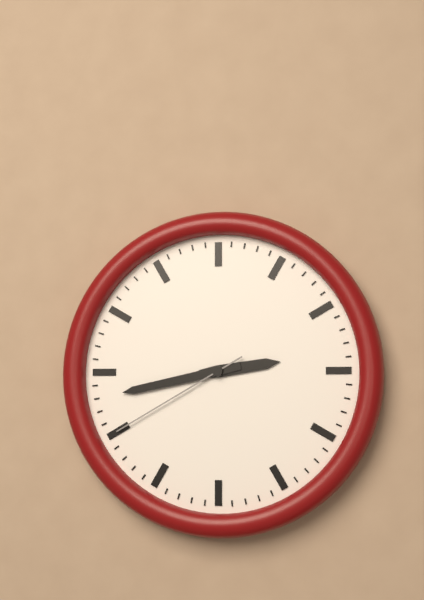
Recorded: 2 h 43 min 40 s
